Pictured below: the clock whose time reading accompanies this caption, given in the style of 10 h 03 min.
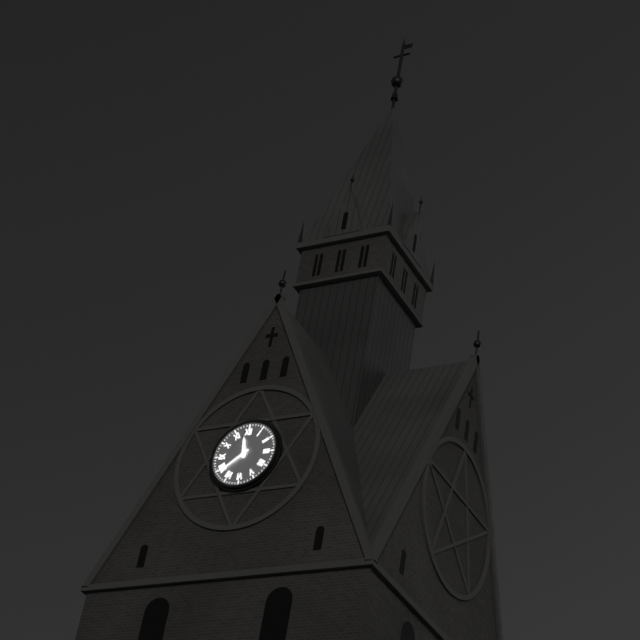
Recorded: 11 h 39 min
